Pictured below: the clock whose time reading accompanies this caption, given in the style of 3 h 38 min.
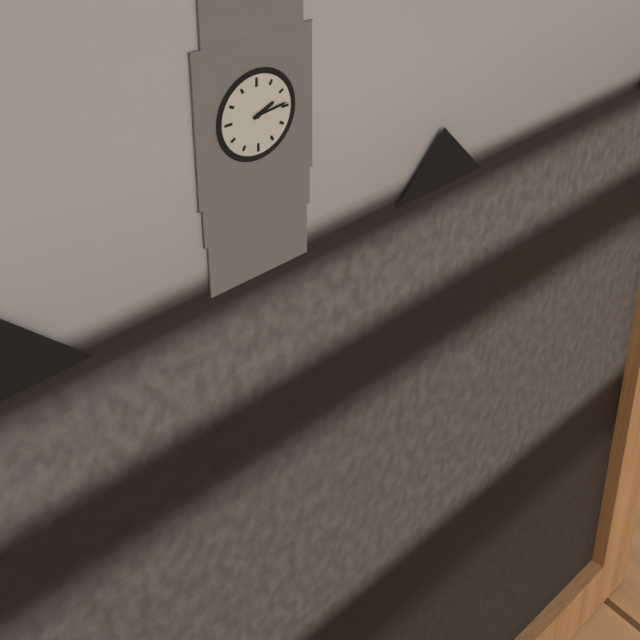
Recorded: 2 h 14 min
